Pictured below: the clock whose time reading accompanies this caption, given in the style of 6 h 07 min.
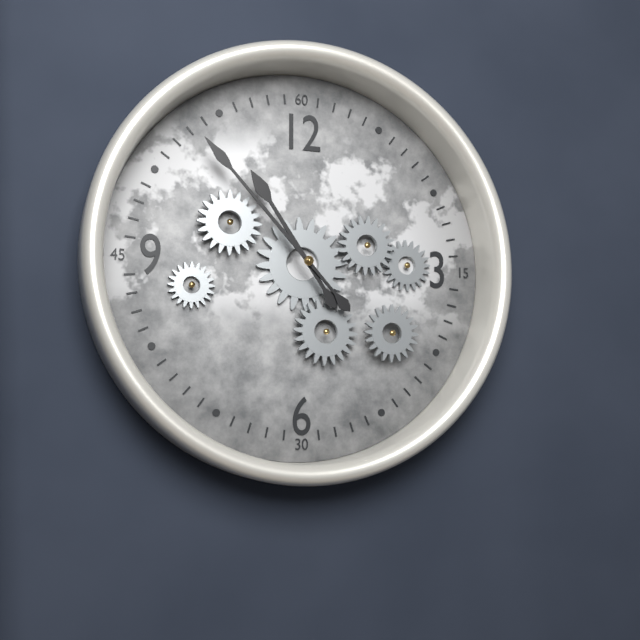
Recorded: 10 h 53 min
